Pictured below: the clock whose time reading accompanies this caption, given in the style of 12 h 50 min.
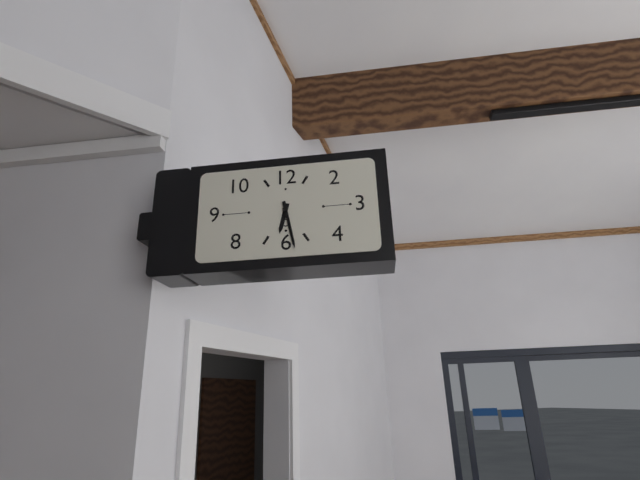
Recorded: 6 h 28 min
